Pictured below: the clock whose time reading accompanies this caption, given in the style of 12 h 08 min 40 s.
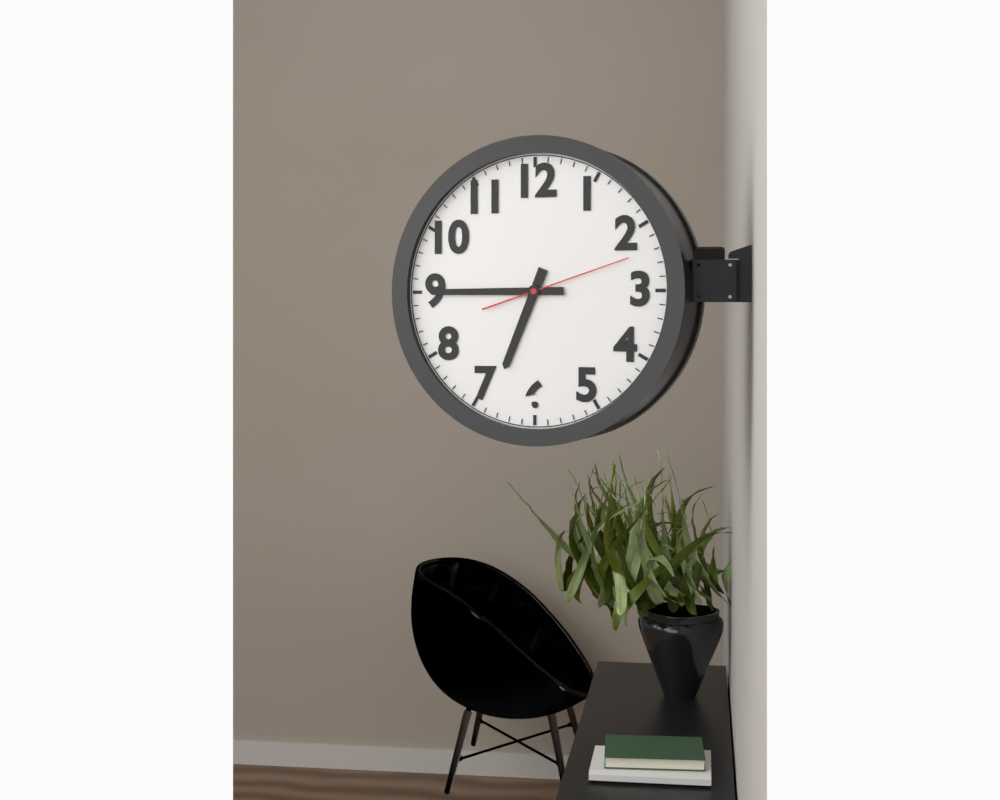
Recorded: 6 h 45 min 12 s
